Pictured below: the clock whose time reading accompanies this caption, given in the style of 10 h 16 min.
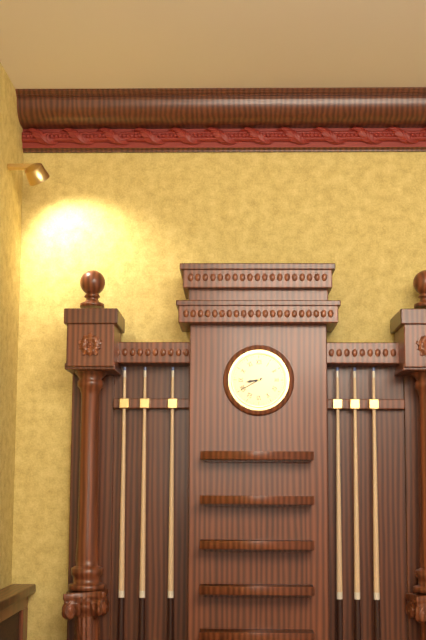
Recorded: 8 h 40 min
